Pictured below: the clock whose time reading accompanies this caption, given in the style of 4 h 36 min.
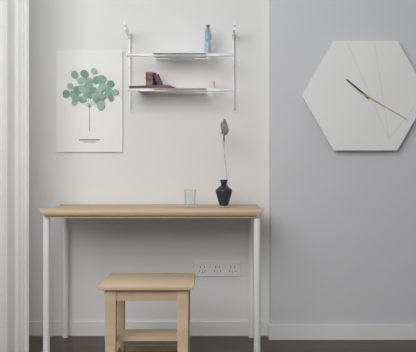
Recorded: 10 h 20 min
